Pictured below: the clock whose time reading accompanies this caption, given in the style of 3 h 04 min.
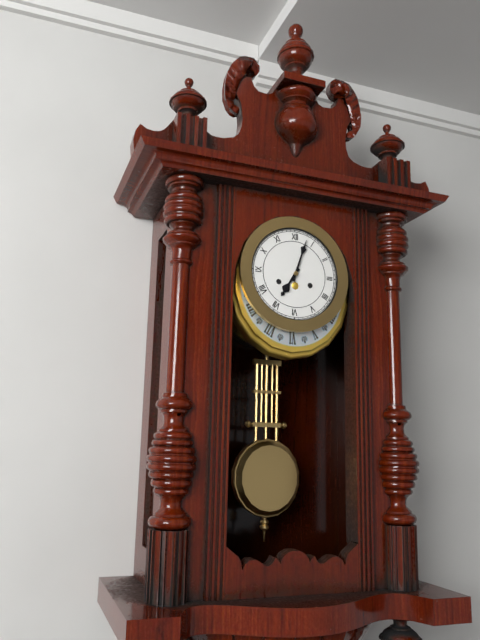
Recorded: 7 h 03 min
